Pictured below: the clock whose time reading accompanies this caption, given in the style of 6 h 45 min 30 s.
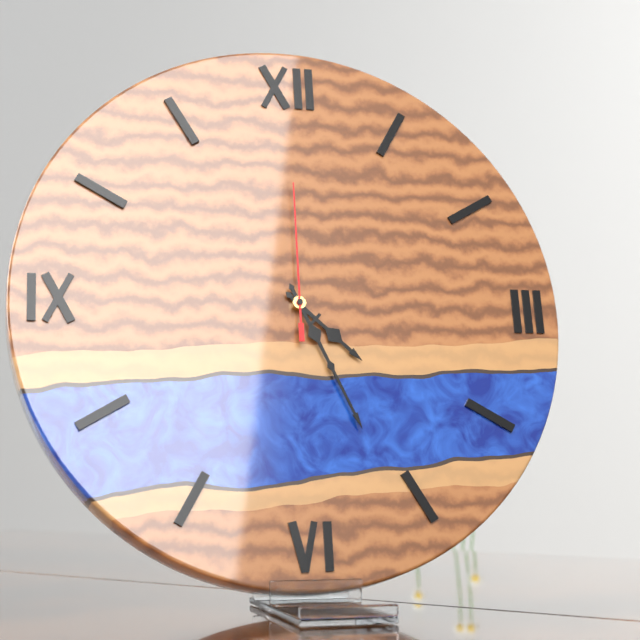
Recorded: 4 h 26 min 00 s
